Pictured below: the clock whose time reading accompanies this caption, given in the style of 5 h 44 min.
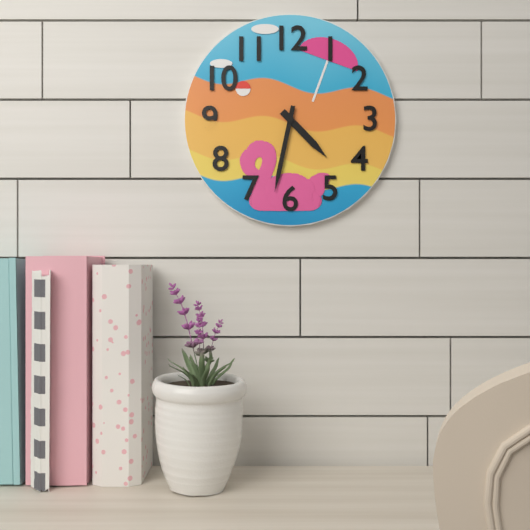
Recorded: 4 h 32 min
